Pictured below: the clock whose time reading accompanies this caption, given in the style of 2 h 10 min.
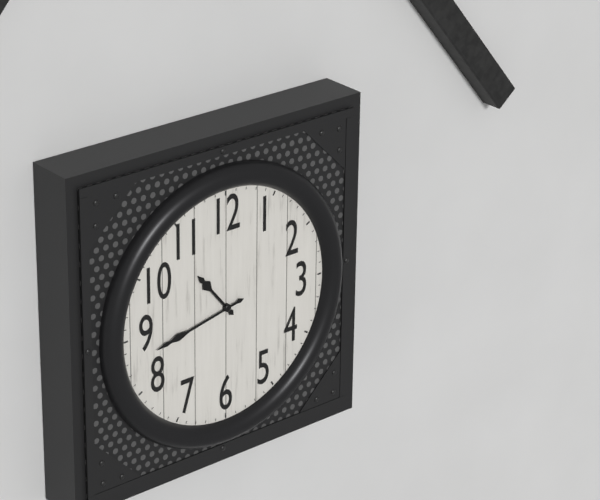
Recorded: 10 h 43 min
